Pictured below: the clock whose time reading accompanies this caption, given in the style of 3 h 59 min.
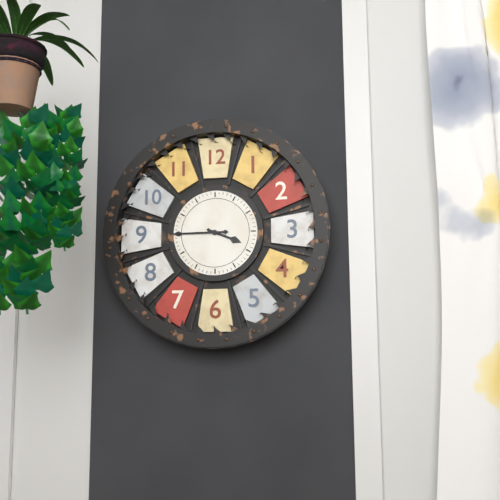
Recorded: 3 h 45 min
